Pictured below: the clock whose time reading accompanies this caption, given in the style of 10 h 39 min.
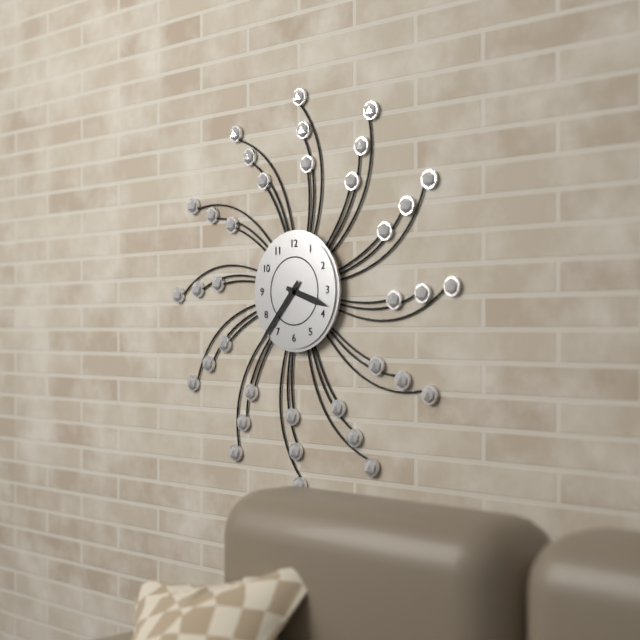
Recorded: 3 h 37 min
